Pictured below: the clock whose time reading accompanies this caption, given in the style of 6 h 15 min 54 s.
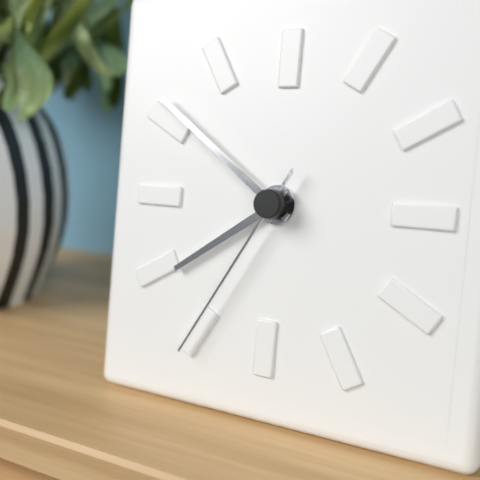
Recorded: 7 h 51 min 35 s
